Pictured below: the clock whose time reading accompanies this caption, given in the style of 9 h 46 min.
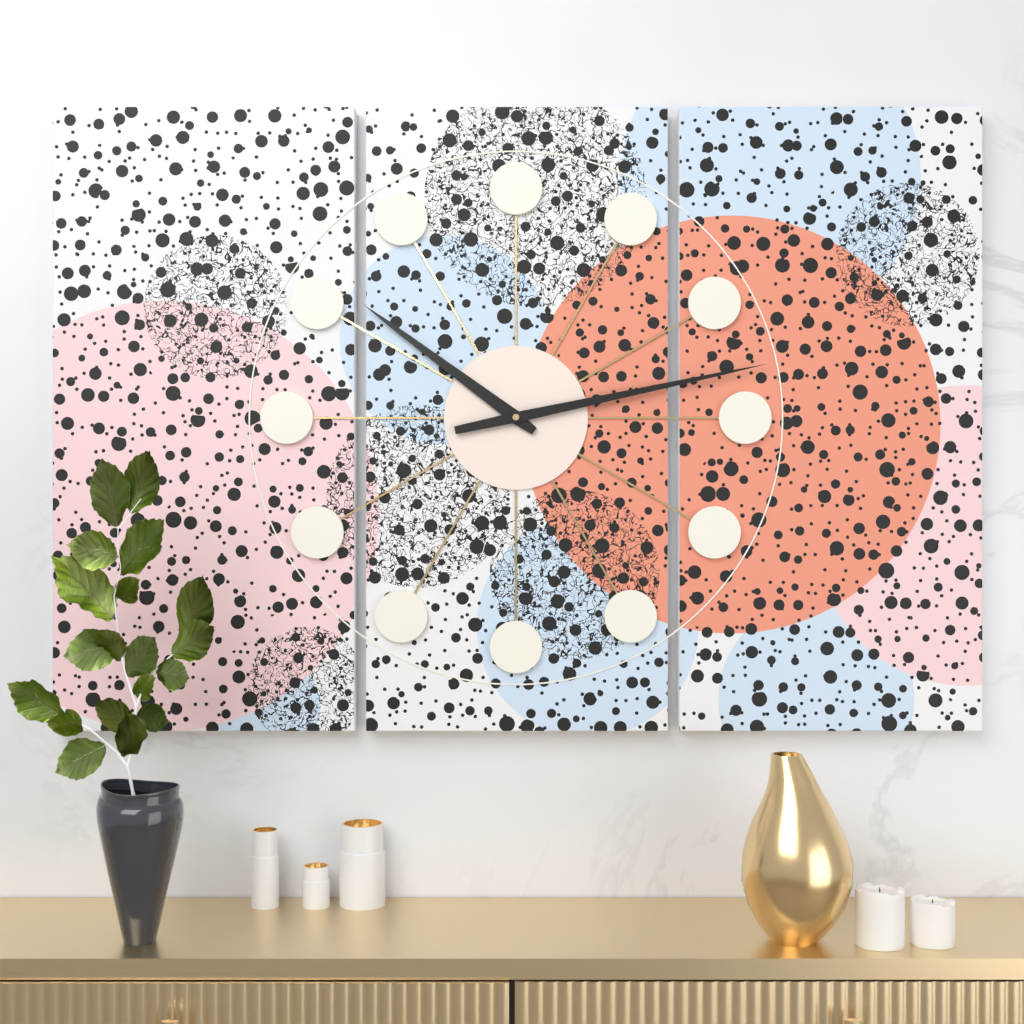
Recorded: 10 h 13 min
